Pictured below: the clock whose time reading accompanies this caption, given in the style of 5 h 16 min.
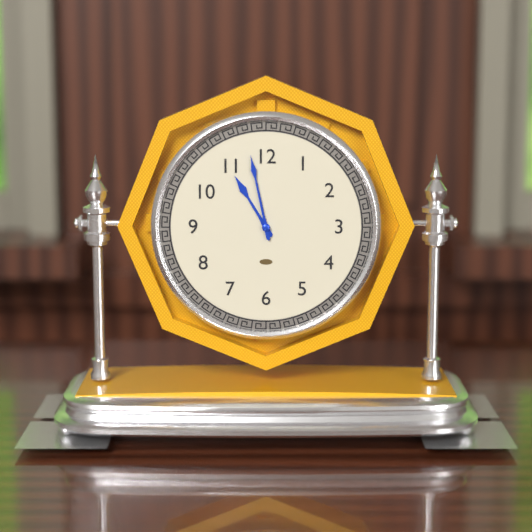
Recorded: 10 h 58 min
